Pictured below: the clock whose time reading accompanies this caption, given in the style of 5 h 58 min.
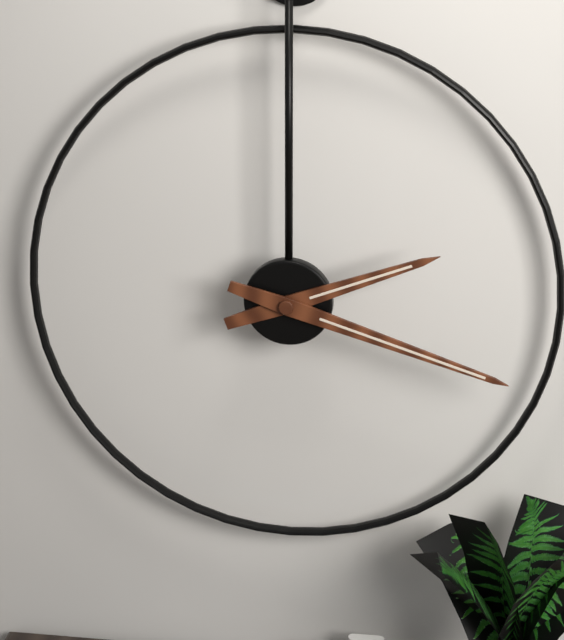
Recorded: 2 h 18 min
